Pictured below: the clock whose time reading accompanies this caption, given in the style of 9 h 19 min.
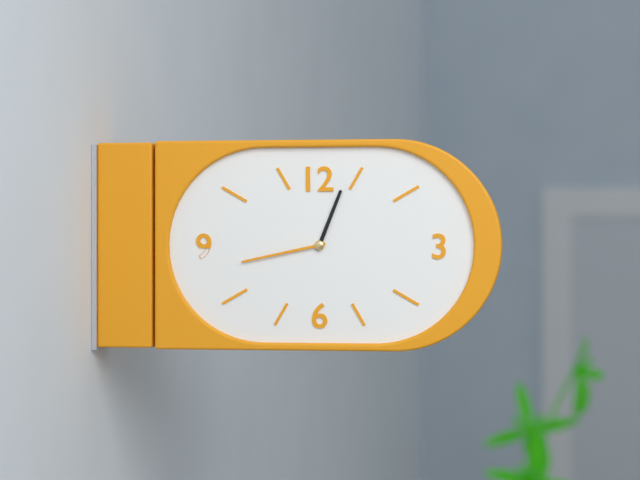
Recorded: 12 h 43 min
